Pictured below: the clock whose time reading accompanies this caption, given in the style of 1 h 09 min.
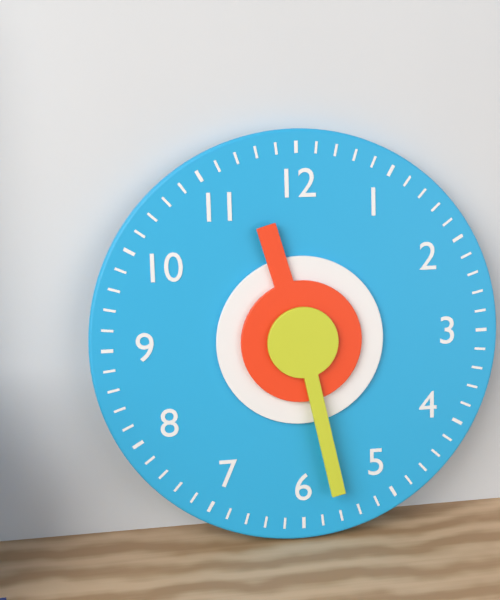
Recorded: 11 h 28 min
